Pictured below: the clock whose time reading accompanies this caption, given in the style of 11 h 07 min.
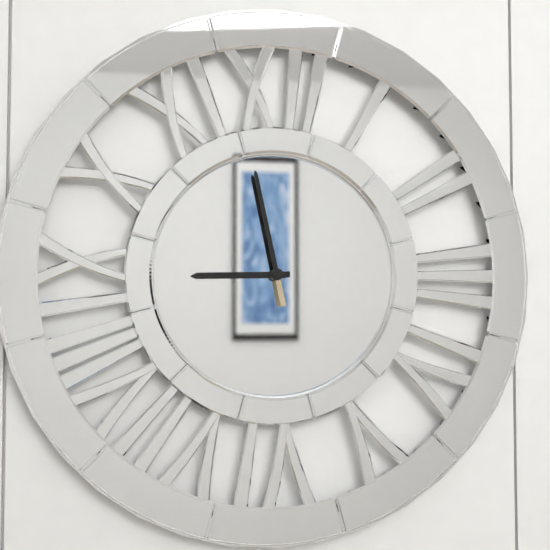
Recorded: 8 h 58 min
